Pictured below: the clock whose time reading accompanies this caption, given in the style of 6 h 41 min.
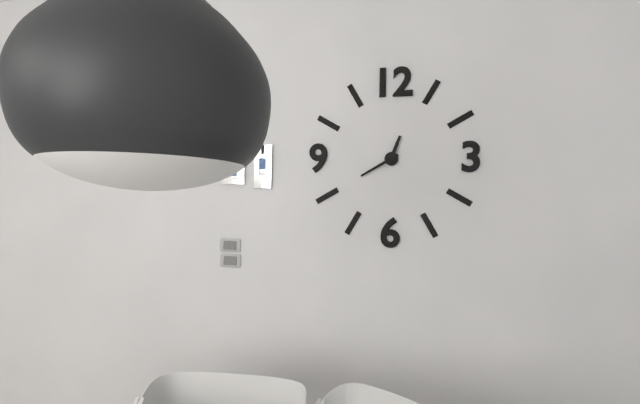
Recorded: 12 h 40 min
